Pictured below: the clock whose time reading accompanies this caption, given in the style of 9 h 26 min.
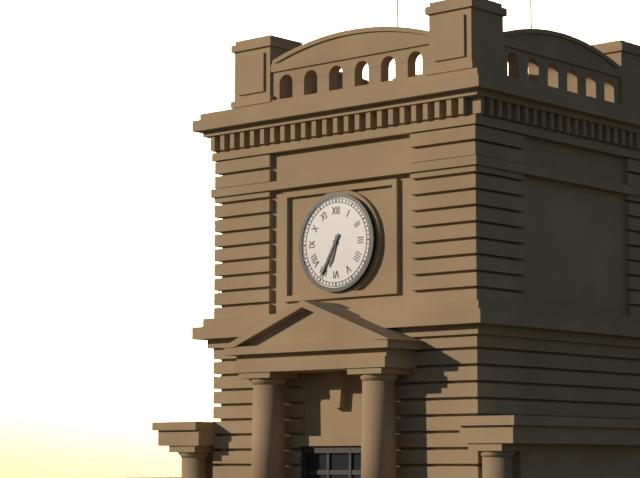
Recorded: 6 h 35 min
